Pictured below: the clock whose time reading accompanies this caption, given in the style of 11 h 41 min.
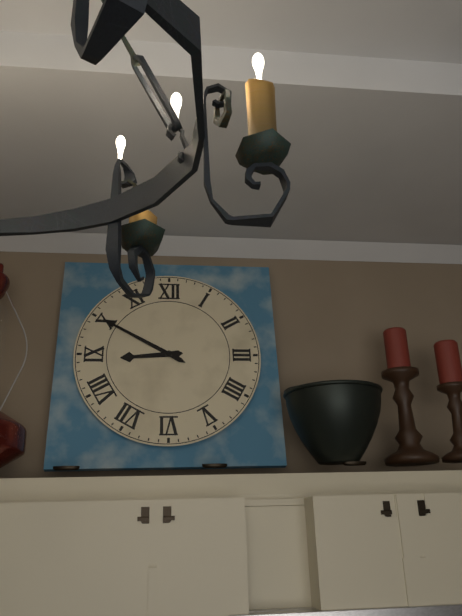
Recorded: 8 h 50 min
